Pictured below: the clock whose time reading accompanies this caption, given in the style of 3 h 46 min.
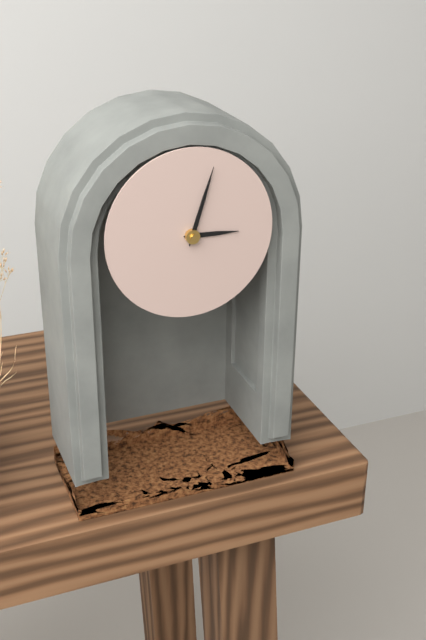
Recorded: 3 h 03 min
